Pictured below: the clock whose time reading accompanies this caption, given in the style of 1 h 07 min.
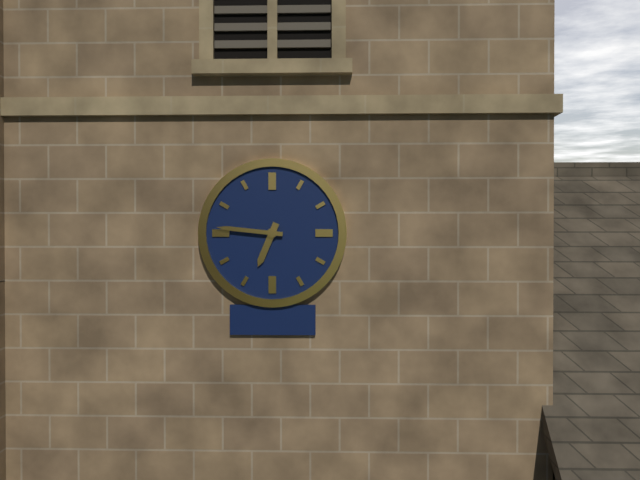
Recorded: 6 h 46 min
